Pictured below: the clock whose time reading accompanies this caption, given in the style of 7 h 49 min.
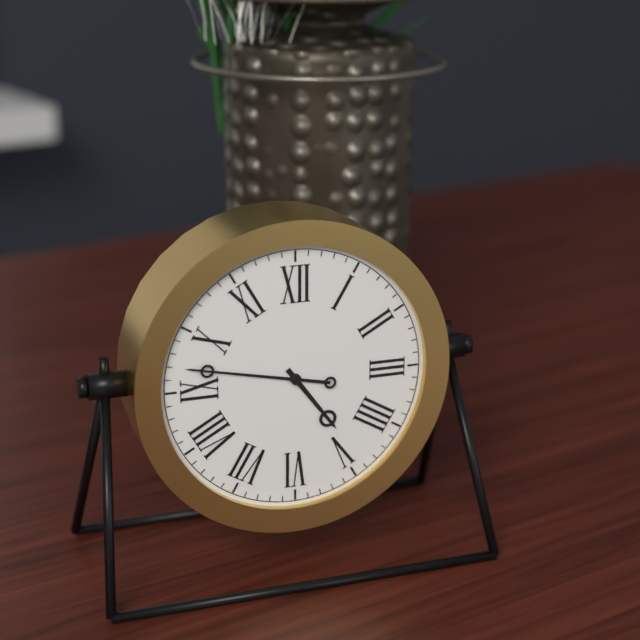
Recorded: 4 h 47 min
